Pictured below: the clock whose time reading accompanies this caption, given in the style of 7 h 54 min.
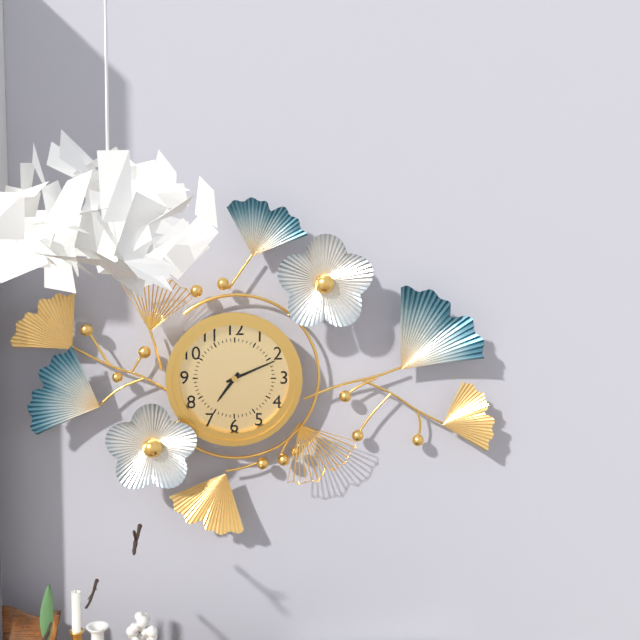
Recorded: 7 h 11 min
